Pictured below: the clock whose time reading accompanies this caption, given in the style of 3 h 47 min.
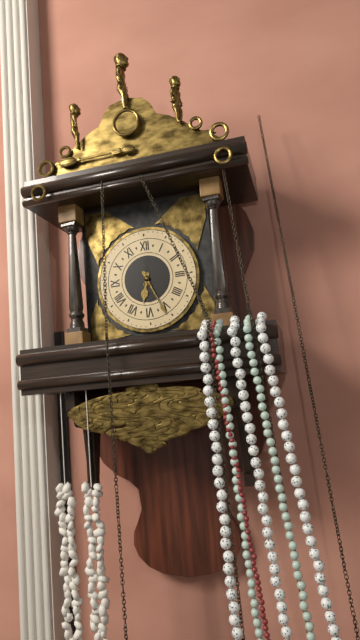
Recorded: 6 h 26 min
